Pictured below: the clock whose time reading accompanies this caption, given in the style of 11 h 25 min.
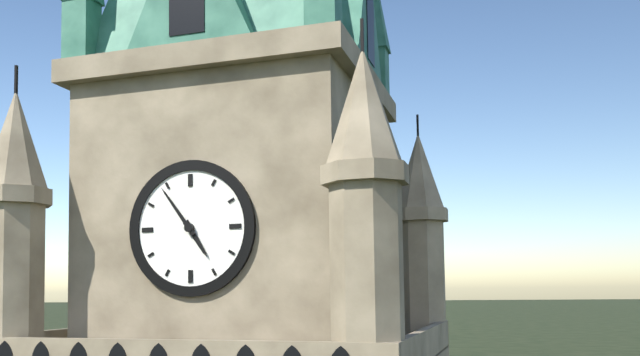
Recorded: 4 h 54 min
